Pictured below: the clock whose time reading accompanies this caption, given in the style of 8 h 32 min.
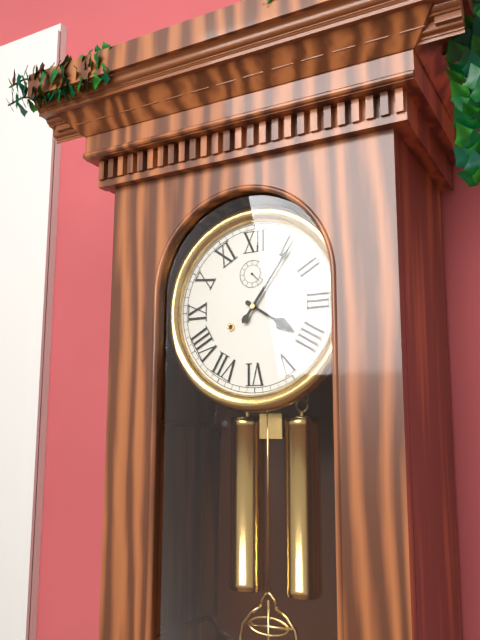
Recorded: 4 h 06 min
